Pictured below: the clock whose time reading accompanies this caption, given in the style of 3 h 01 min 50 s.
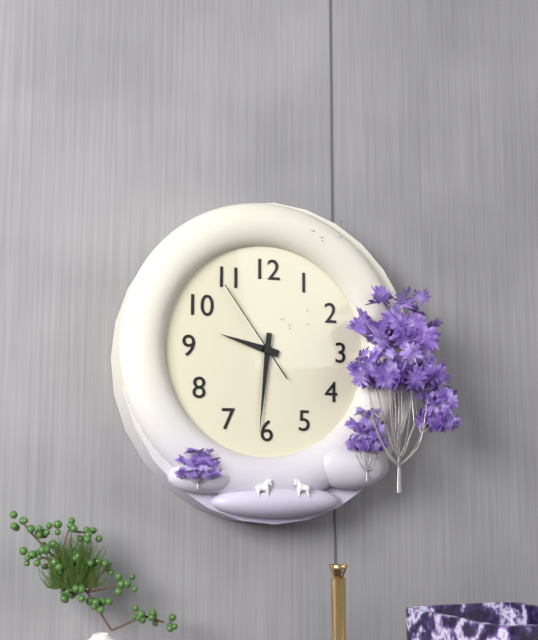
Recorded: 9 h 31 min 54 s
